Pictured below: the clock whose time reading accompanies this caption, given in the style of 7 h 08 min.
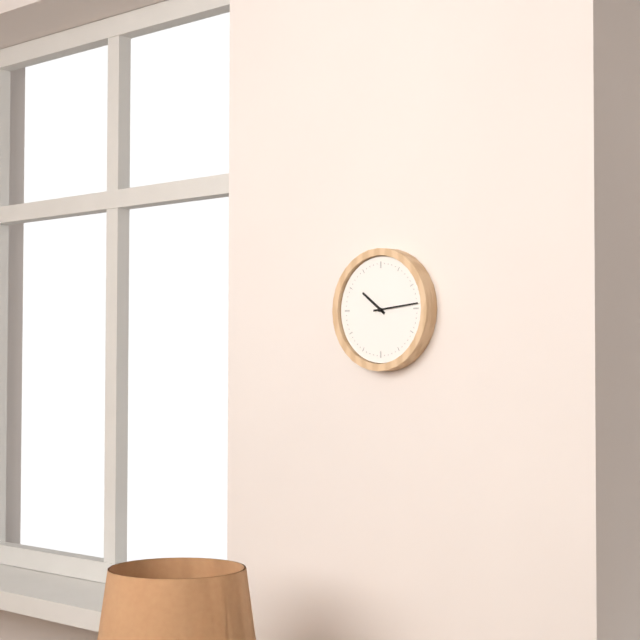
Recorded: 10 h 14 min
